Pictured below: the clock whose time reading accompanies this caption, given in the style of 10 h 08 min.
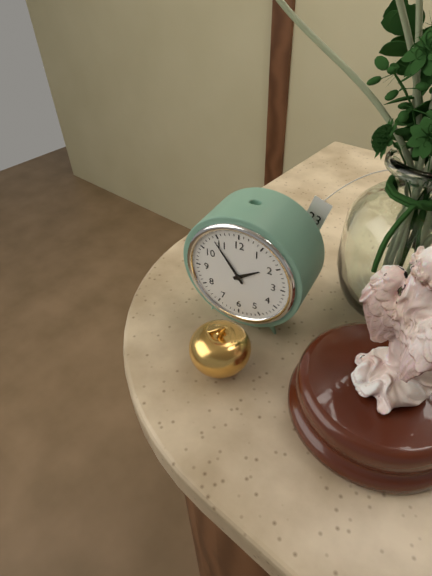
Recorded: 1 h 54 min
